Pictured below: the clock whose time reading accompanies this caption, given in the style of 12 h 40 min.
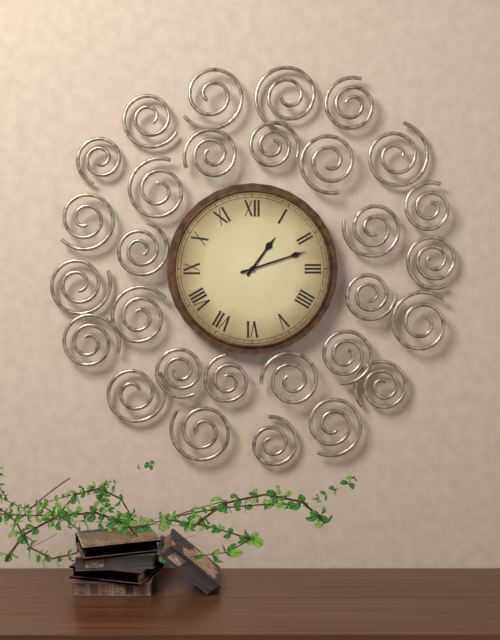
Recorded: 1 h 12 min
